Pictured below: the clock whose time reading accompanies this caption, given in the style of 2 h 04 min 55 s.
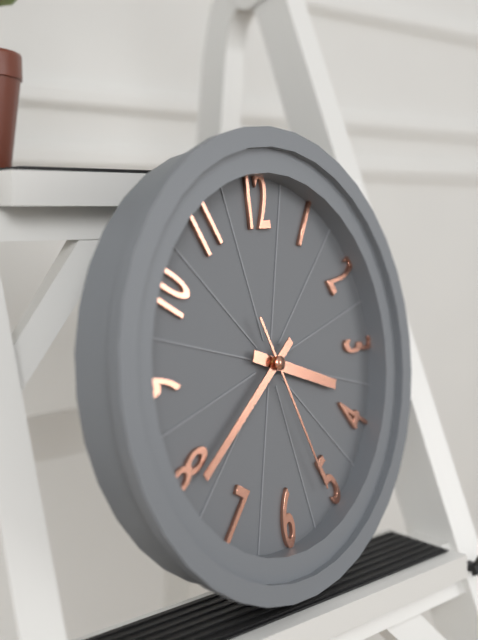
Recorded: 3 h 39 min 26 s
